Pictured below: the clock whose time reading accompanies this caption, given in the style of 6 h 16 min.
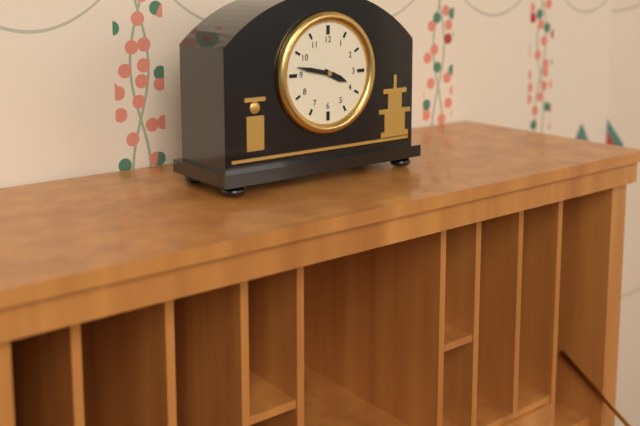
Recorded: 3 h 47 min
